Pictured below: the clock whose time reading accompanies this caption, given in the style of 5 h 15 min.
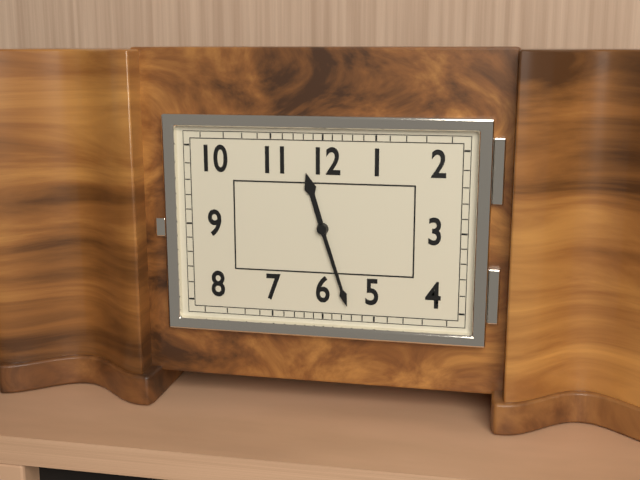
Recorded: 11 h 27 min
